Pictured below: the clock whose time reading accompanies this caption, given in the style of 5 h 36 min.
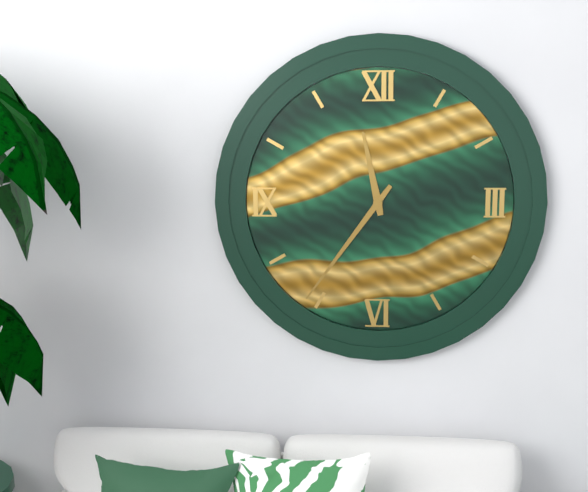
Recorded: 11 h 36 min
